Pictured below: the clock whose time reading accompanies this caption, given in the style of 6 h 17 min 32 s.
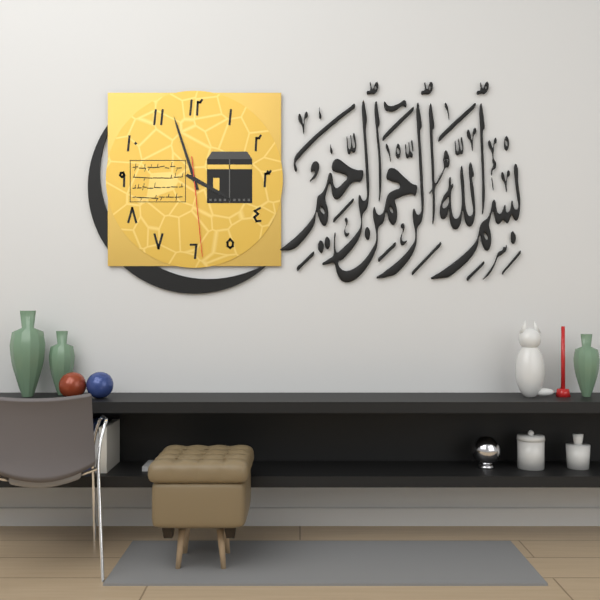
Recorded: 3 h 57 min 29 s
